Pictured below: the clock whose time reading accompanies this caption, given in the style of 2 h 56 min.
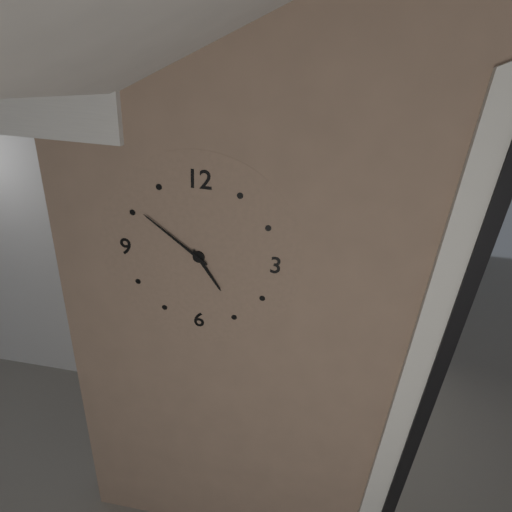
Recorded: 4 h 51 min
